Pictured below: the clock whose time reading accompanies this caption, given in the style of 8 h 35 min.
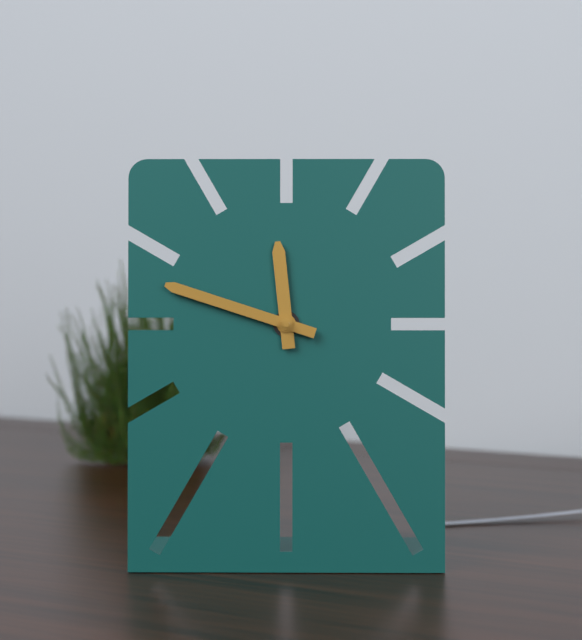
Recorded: 11 h 48 min
